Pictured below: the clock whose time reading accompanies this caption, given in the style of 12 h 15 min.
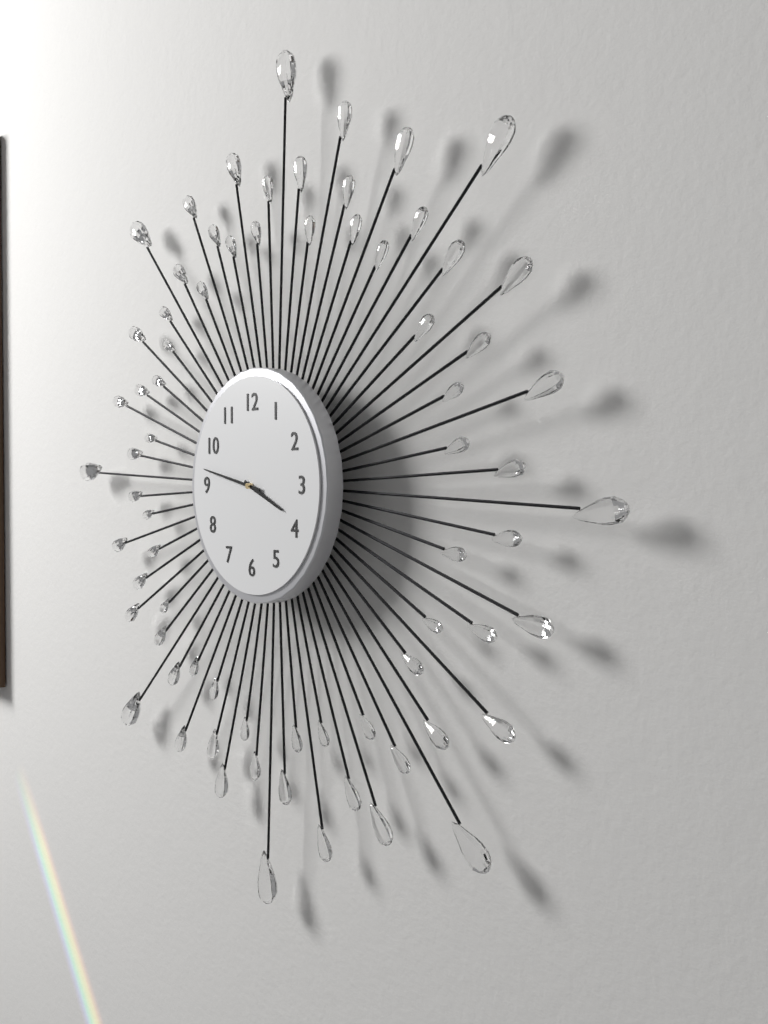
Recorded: 3 h 47 min
